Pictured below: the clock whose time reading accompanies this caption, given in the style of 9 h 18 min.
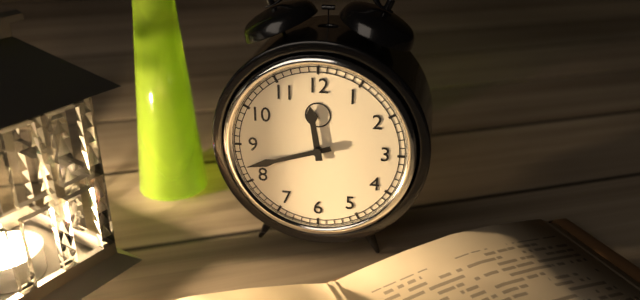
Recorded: 11 h 42 min
